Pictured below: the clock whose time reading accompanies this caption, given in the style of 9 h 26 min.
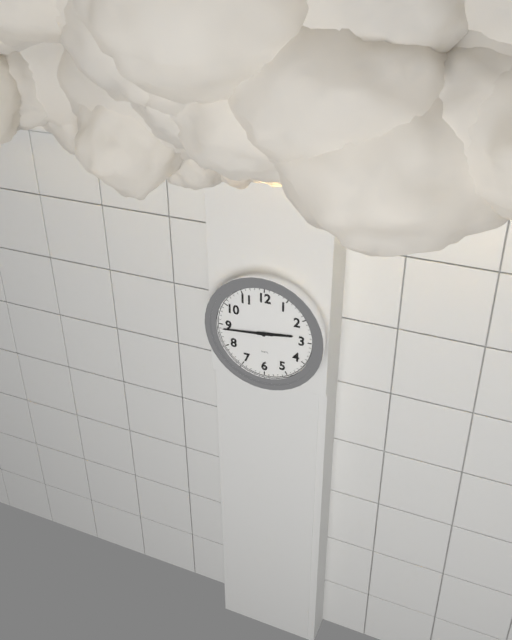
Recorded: 2 h 44 min
